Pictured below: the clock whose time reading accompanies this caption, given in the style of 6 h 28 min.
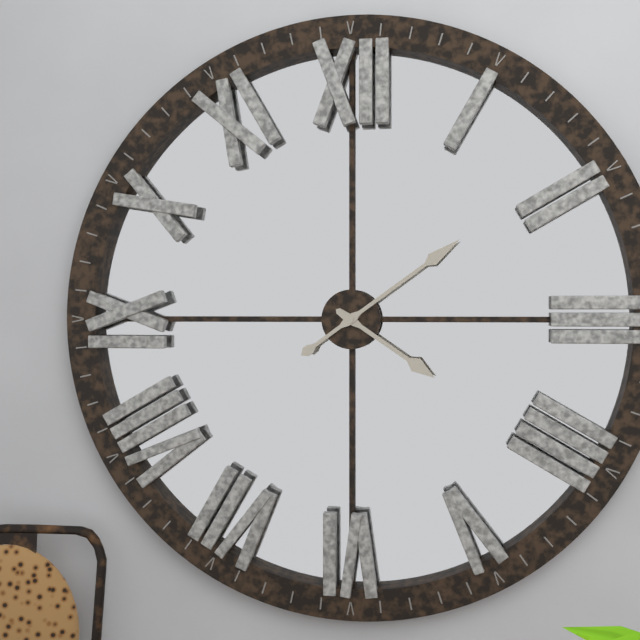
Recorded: 4 h 09 min
